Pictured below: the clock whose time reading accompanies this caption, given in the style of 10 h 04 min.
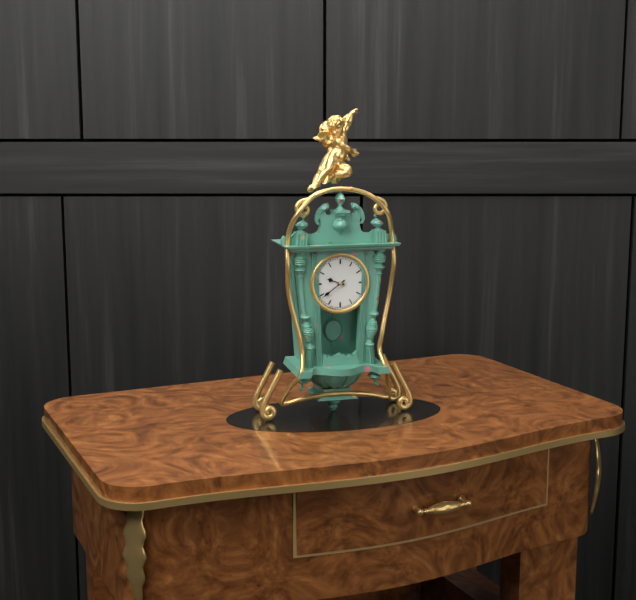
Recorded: 9 h 39 min
